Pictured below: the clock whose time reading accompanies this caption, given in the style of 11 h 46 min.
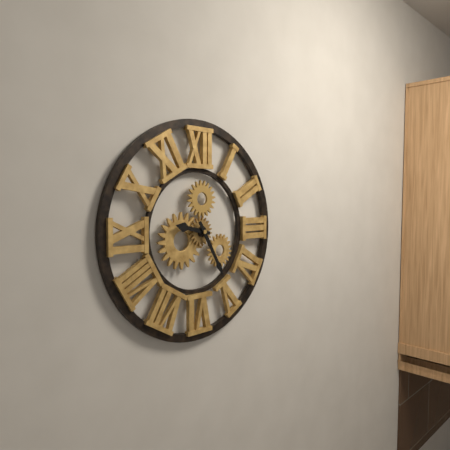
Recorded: 9 h 25 min
